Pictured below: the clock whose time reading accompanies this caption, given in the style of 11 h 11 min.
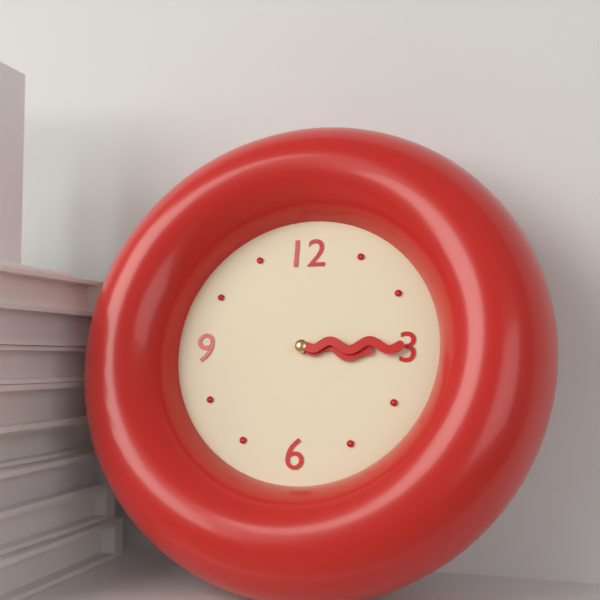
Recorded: 3 h 15 min
